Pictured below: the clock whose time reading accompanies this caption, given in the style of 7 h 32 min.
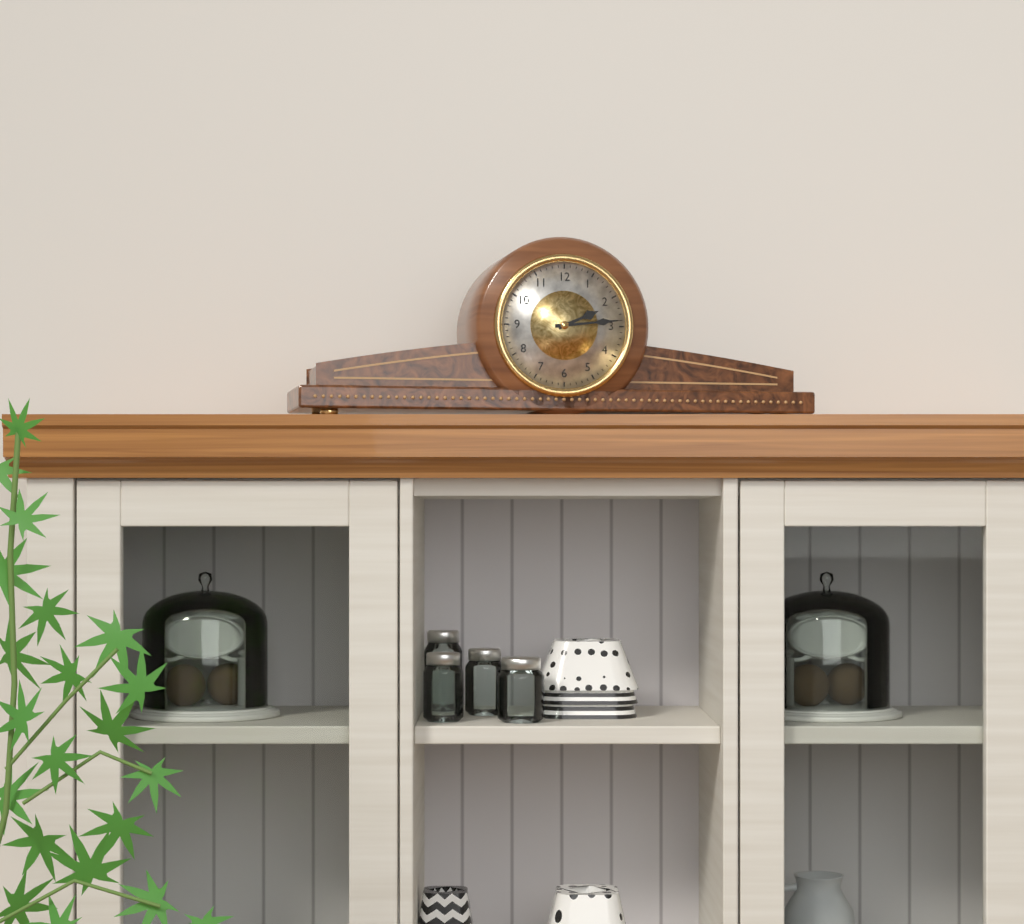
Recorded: 2 h 14 min
